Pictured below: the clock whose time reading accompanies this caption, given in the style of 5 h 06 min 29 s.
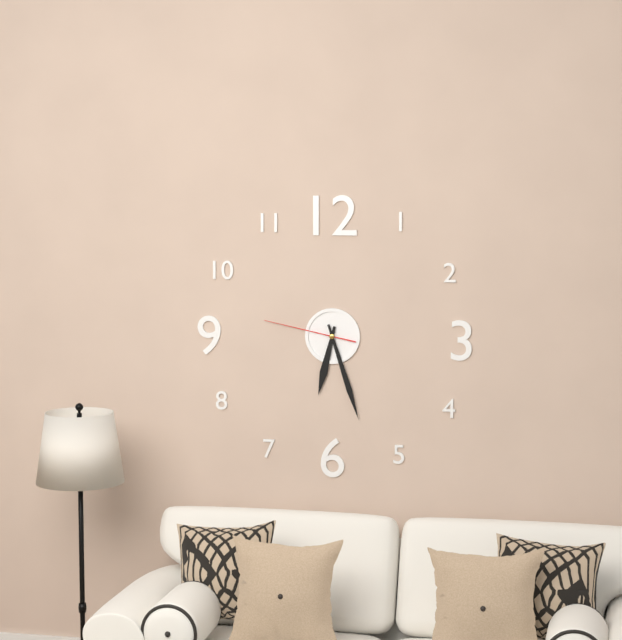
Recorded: 6 h 27 min 47 s
